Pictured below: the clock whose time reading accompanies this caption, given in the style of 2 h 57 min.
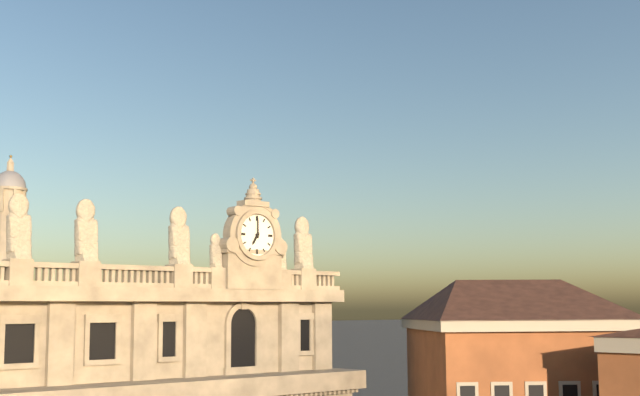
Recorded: 7 h 00 min
